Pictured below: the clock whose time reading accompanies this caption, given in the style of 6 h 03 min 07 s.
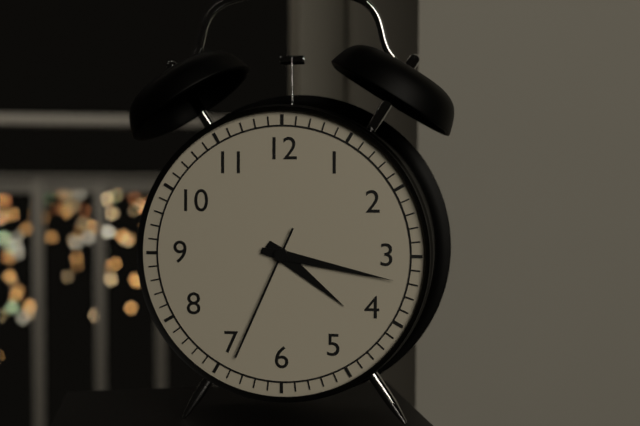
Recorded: 4 h 17 min 34 s
